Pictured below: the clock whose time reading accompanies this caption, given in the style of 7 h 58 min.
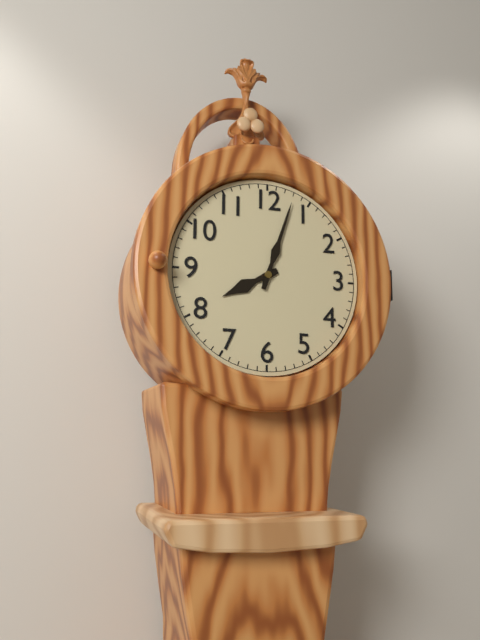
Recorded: 8 h 03 min
